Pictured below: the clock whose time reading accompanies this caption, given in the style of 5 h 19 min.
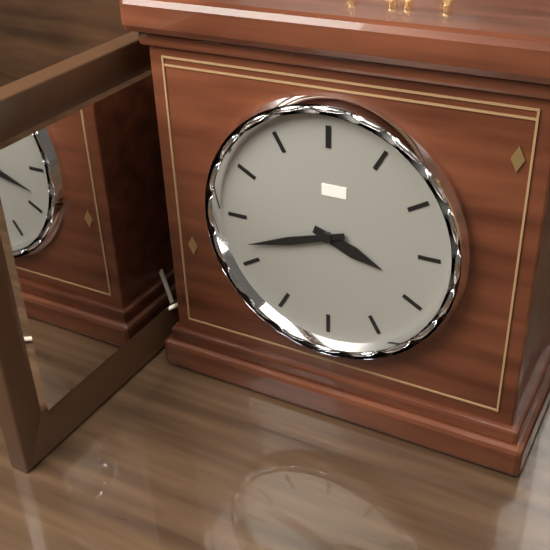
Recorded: 3 h 42 min
